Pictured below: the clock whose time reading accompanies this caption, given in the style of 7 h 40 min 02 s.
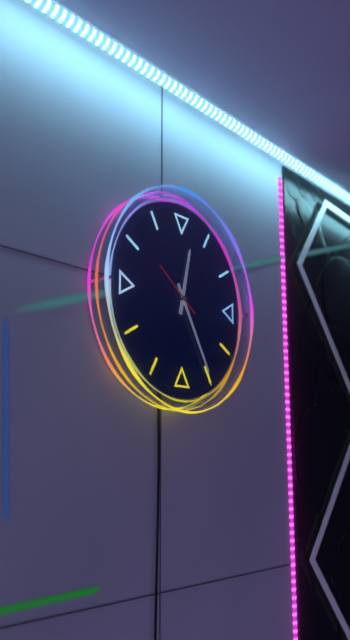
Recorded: 12 h 25 min 51 s
